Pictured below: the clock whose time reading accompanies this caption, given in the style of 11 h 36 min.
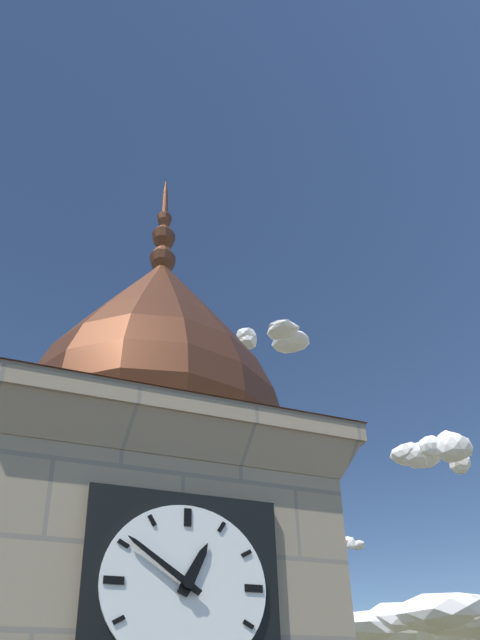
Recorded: 12 h 51 min
